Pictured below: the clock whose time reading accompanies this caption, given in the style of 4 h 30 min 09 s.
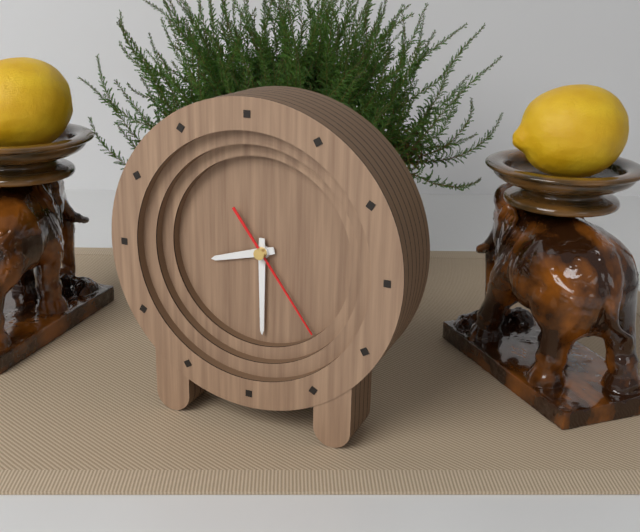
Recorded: 8 h 30 min 24 s
